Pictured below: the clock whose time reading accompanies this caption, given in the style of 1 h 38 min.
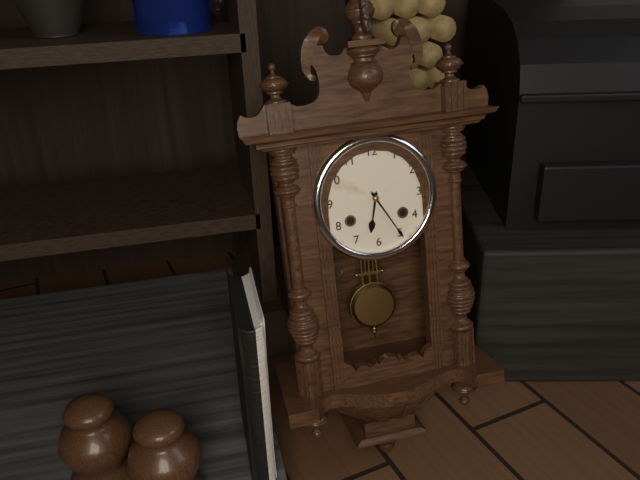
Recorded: 6 h 25 min
